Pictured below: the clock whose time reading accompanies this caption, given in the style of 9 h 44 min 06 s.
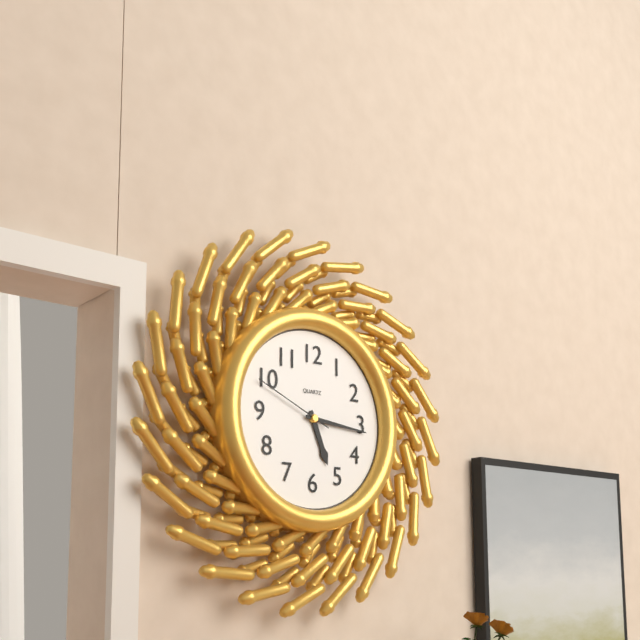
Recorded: 5 h 16 min 49 s
